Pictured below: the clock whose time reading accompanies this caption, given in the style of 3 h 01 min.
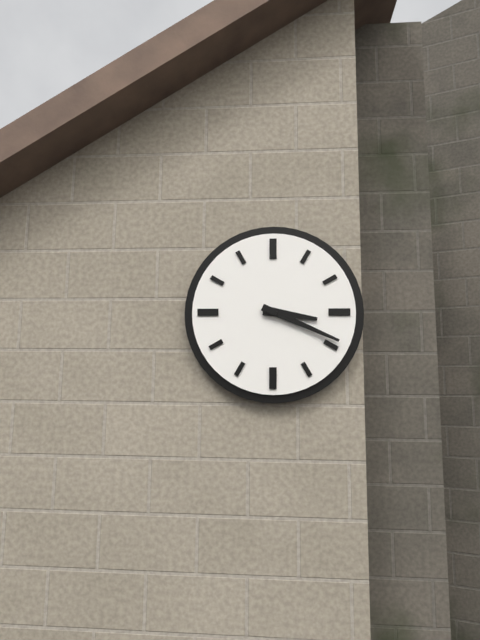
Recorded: 3 h 19 min
